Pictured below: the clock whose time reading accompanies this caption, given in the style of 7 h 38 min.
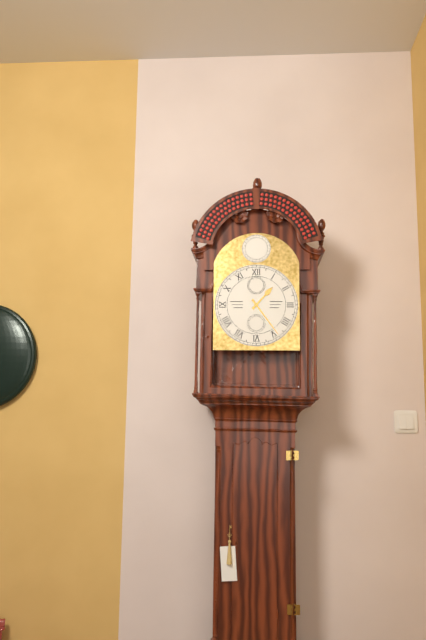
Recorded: 1 h 24 min
